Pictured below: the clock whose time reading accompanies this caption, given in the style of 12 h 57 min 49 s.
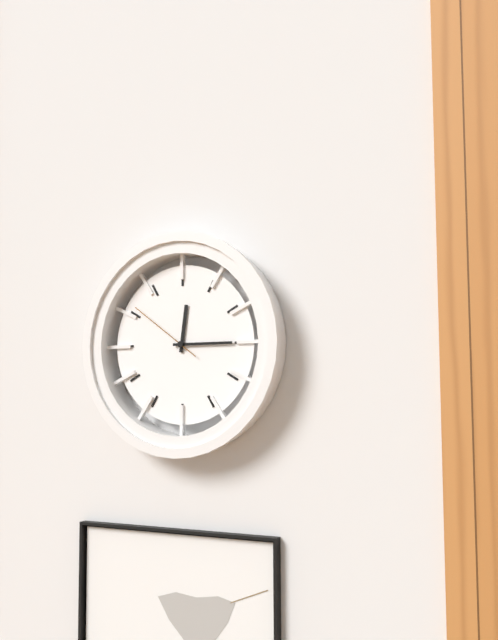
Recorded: 12 h 15 min 51 s
